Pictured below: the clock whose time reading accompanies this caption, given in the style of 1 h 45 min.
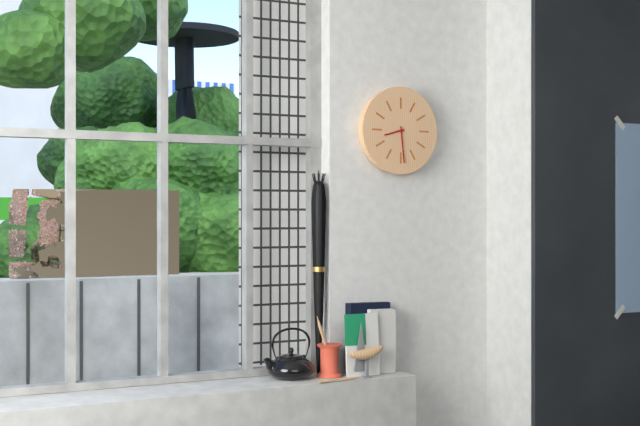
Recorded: 8 h 29 min
